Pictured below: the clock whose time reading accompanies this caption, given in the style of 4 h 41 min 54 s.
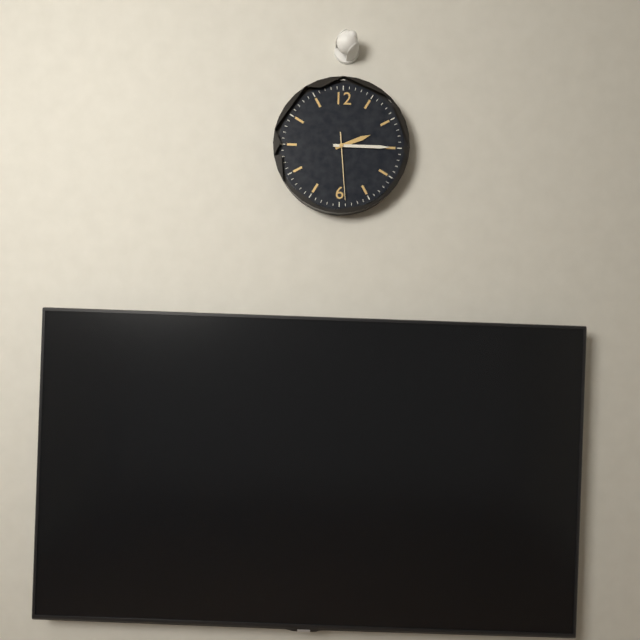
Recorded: 2 h 15 min 29 s
